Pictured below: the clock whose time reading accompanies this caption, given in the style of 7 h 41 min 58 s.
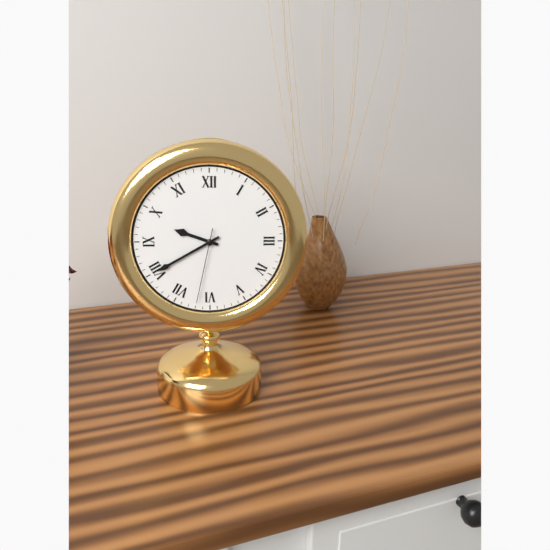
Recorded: 9 h 40 min 32 s
